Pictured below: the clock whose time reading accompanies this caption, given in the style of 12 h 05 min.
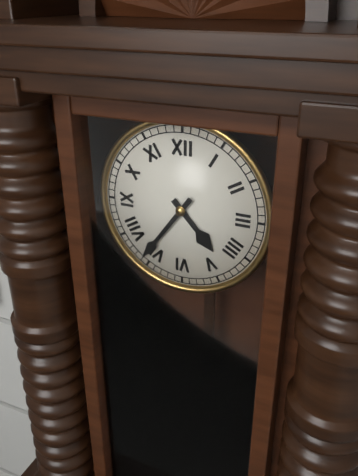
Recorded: 4 h 36 min
